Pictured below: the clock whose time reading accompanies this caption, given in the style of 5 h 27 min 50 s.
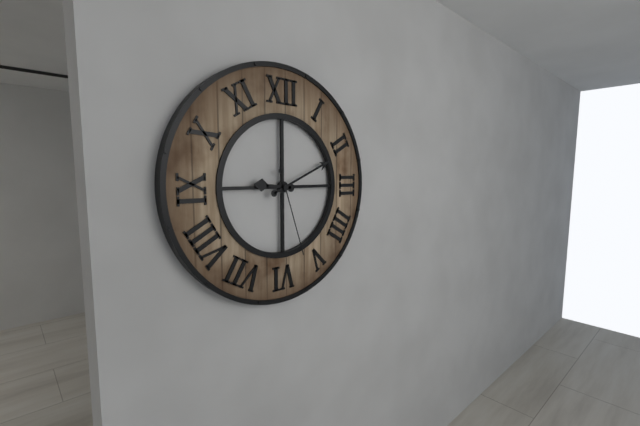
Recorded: 9 h 11 min 27 s
